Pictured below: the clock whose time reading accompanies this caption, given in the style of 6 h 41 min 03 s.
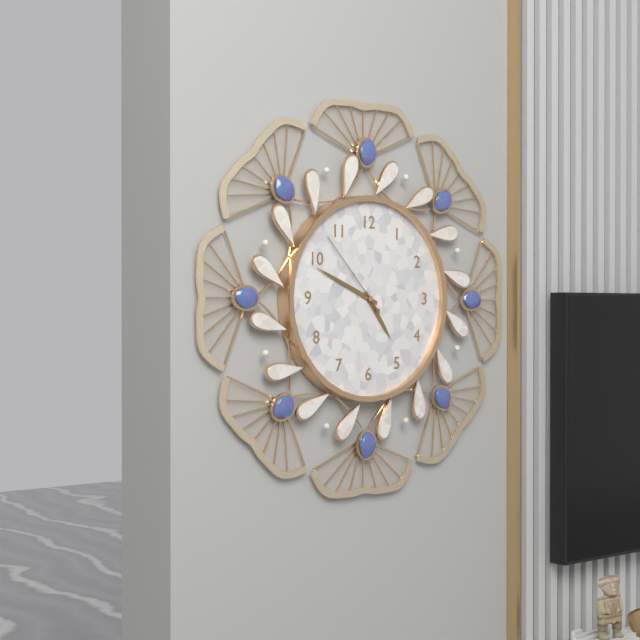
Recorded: 4 h 49 min 53 s
